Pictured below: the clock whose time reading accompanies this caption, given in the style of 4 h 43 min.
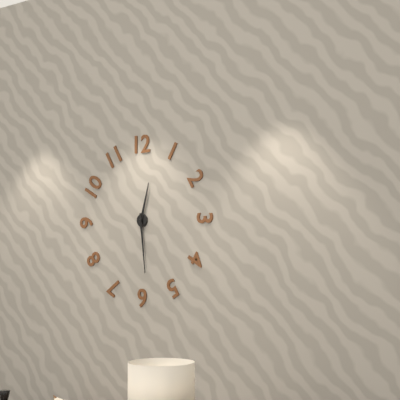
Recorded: 12 h 29 min
